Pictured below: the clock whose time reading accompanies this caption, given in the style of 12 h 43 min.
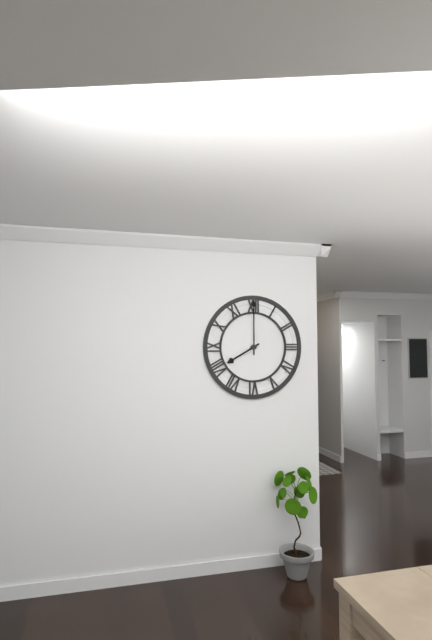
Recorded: 8 h 00 min
